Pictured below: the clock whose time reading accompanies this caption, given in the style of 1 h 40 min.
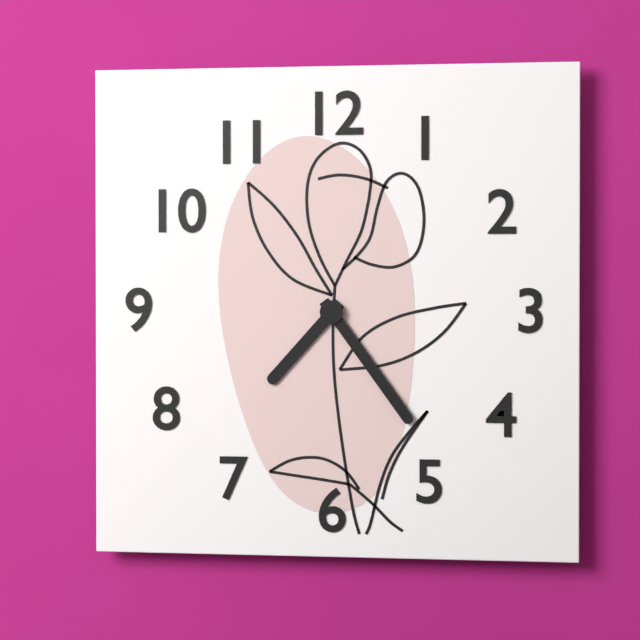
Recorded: 7 h 24 min
